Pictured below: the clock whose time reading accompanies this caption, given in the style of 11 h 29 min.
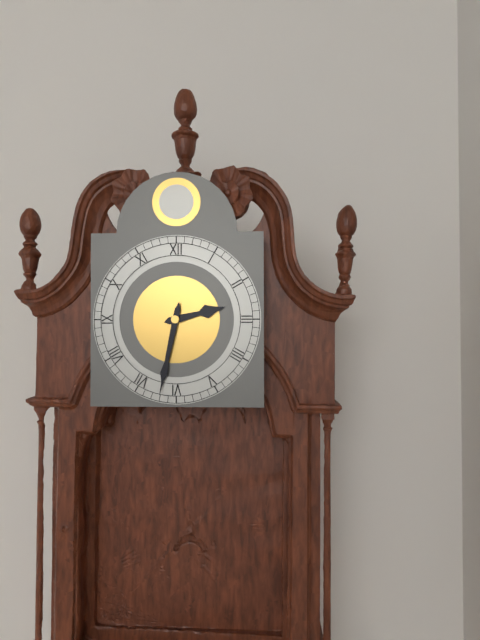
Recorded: 2 h 32 min
